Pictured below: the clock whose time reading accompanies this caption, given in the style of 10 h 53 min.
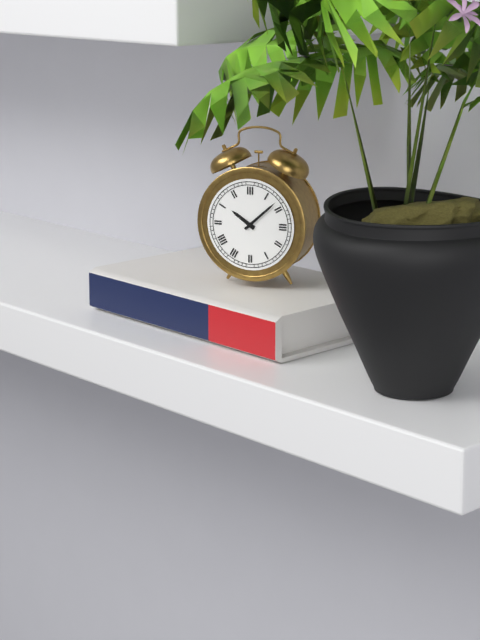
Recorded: 10 h 08 min
